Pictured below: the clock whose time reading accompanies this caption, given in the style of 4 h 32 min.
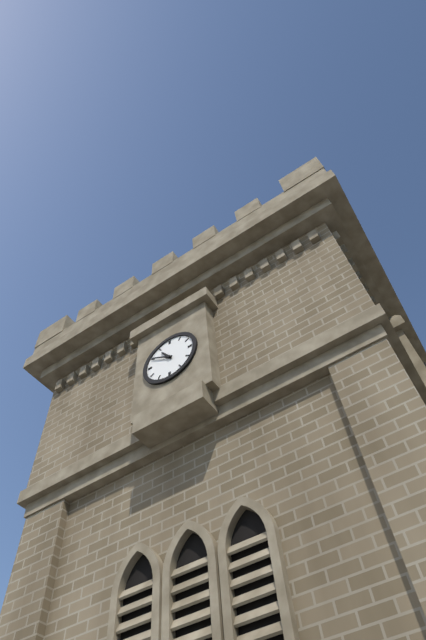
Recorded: 10 h 50 min
